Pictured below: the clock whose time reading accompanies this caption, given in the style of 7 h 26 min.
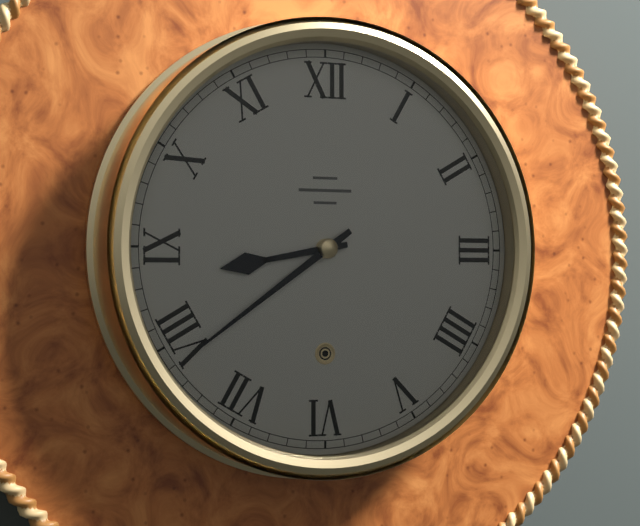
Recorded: 8 h 39 min
